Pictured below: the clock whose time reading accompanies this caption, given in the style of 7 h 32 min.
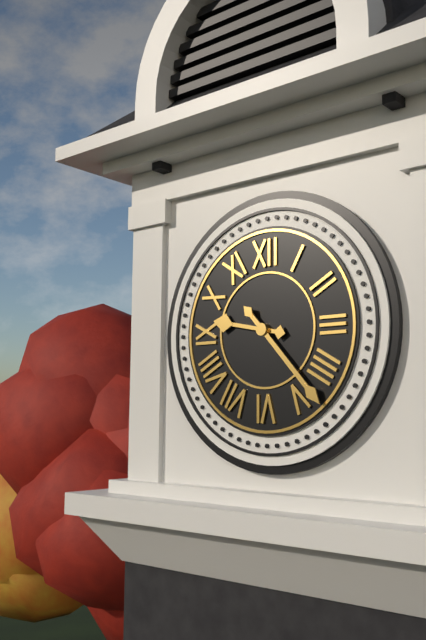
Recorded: 9 h 23 min
